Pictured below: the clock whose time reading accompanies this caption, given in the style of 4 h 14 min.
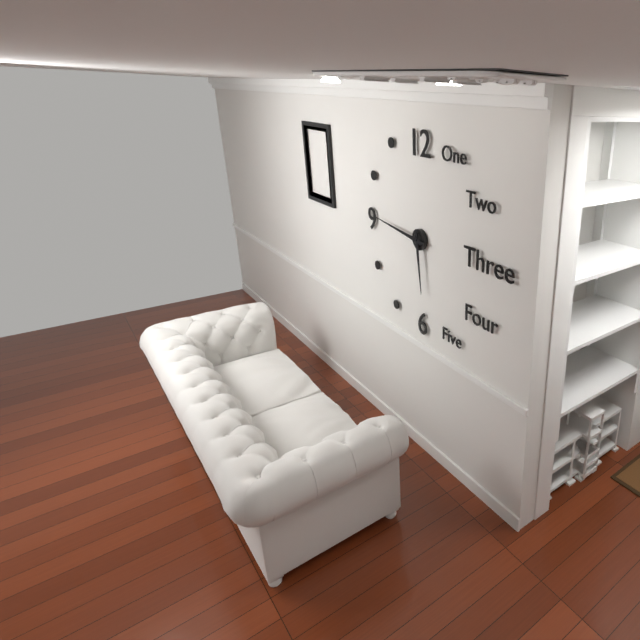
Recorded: 5 h 46 min
